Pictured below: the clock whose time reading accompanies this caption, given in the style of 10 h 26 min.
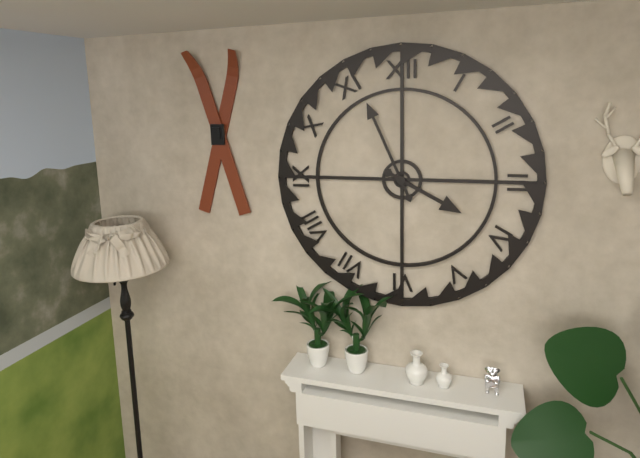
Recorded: 3 h 56 min
